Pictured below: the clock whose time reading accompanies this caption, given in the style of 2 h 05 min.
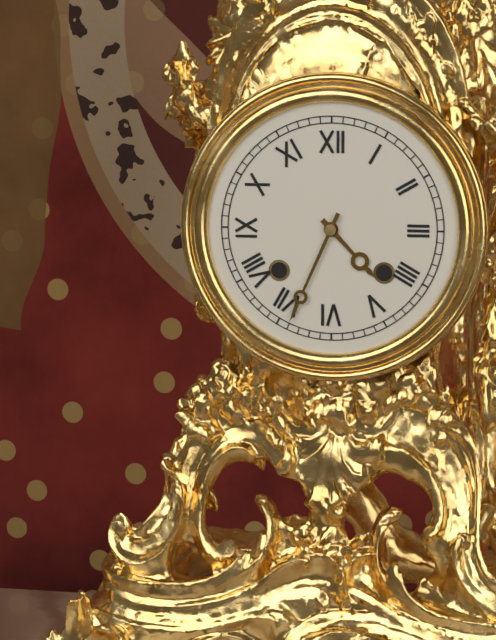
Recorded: 4 h 34 min
